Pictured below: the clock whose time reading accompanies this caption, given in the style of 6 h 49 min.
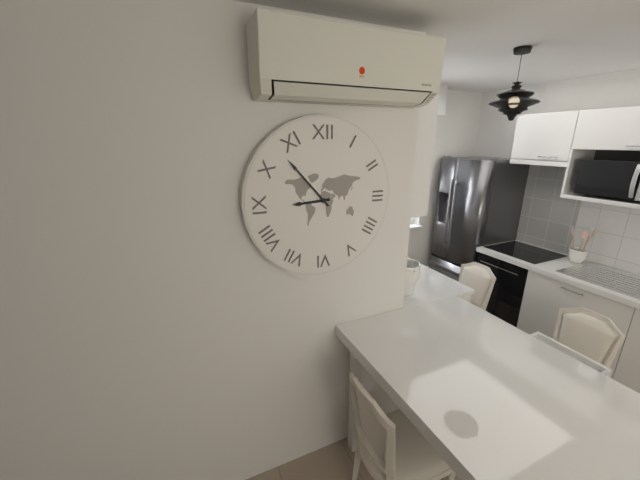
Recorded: 8 h 53 min
